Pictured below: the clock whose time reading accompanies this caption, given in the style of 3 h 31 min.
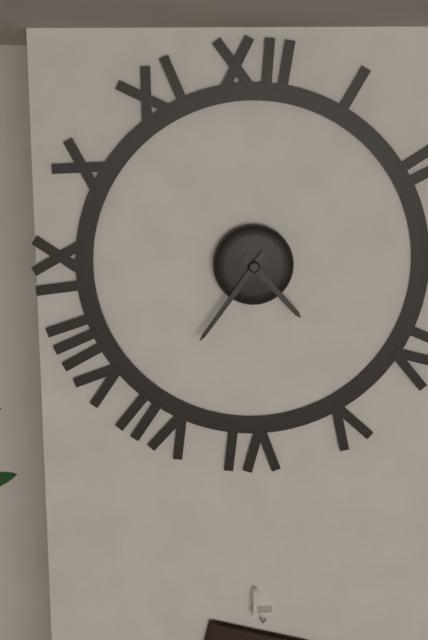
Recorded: 4 h 36 min
